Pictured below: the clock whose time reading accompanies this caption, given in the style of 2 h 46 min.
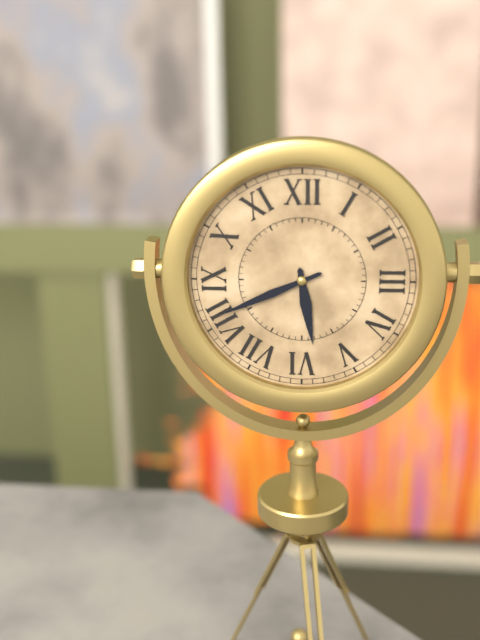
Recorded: 5 h 41 min
